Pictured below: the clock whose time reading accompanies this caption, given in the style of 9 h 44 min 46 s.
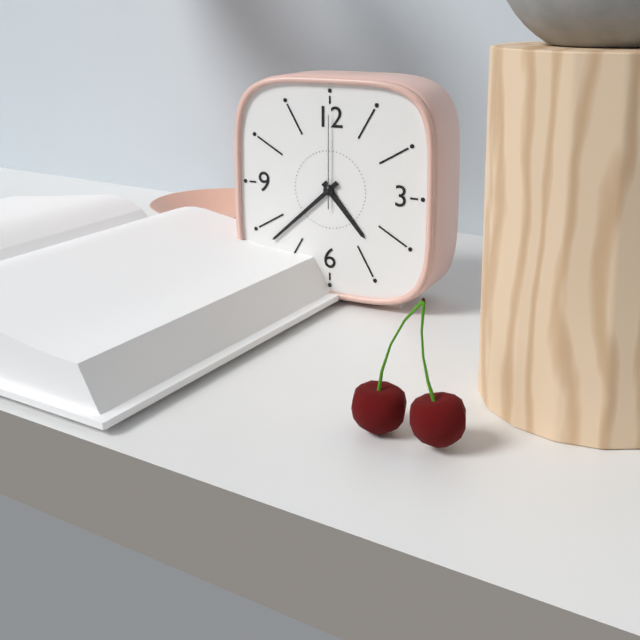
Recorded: 4 h 38 min 00 s
